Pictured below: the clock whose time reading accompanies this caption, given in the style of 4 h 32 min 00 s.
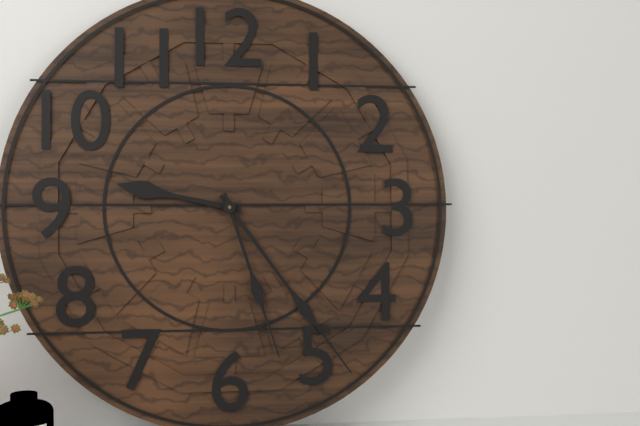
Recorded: 9 h 24 min 27 s
